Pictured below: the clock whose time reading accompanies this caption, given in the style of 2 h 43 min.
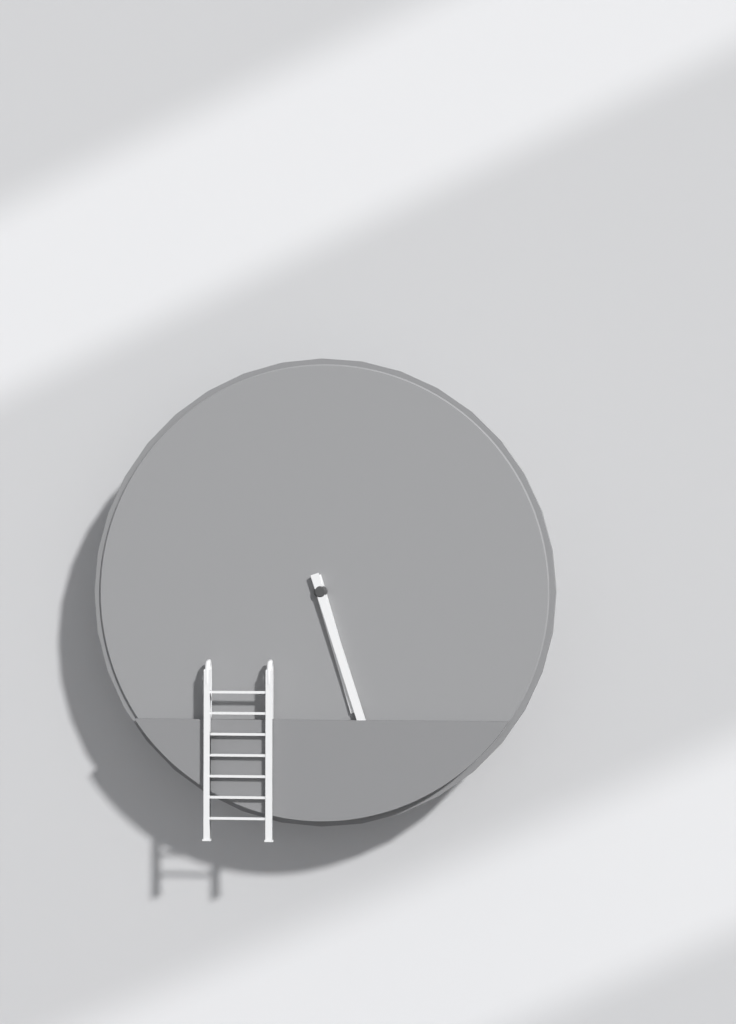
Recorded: 5 h 27 min
